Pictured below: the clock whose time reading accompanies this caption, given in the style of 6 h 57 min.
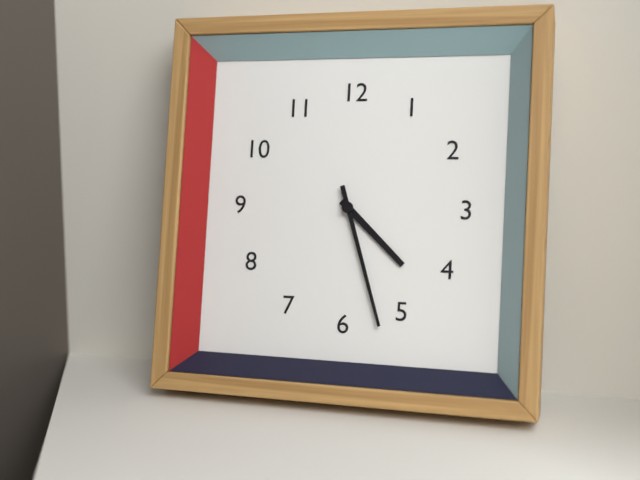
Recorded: 4 h 27 min
